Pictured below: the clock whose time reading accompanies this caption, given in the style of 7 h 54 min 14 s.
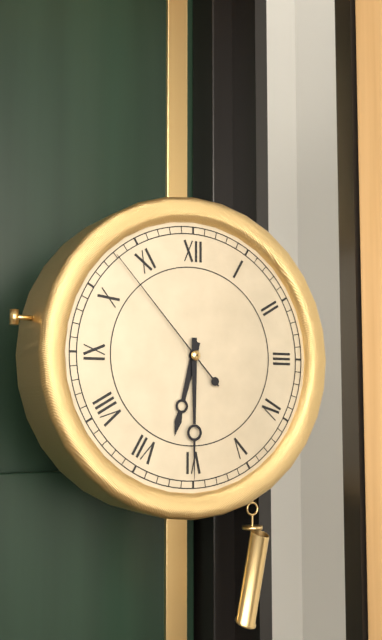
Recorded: 6 h 30 min 53 s
